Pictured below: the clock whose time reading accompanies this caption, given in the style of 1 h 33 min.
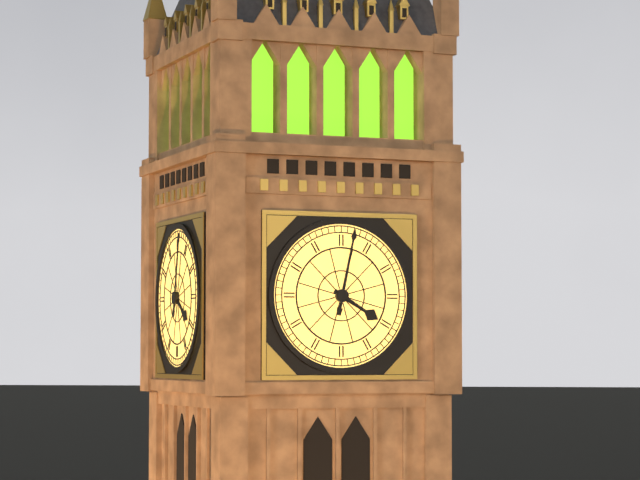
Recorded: 4 h 02 min
